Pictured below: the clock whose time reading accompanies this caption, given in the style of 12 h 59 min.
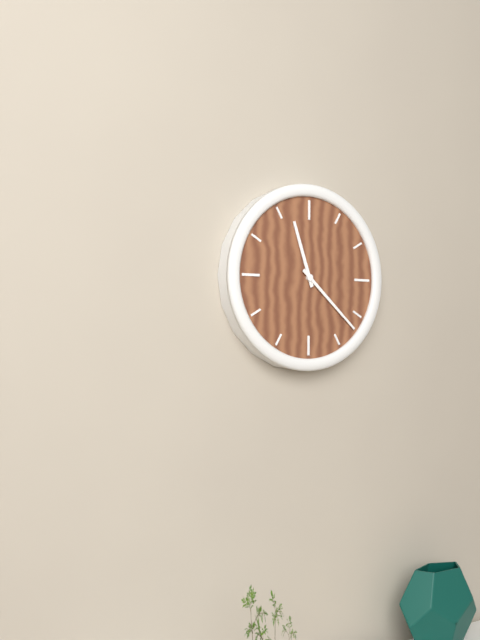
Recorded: 11 h 22 min
